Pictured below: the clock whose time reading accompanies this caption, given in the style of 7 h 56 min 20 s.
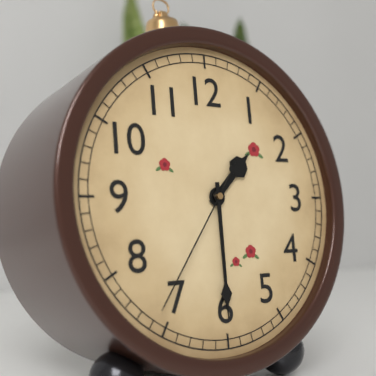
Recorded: 1 h 30 min 36 s
